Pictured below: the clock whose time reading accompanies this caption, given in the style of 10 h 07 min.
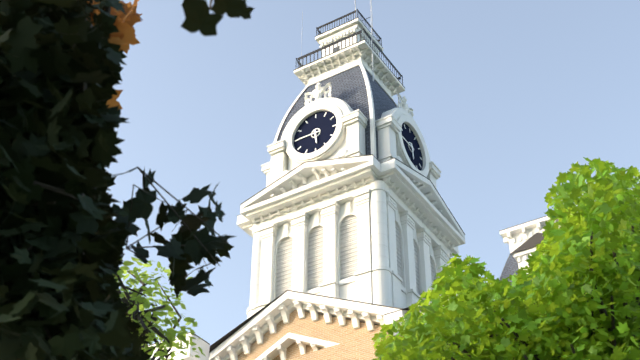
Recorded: 5 h 45 min
